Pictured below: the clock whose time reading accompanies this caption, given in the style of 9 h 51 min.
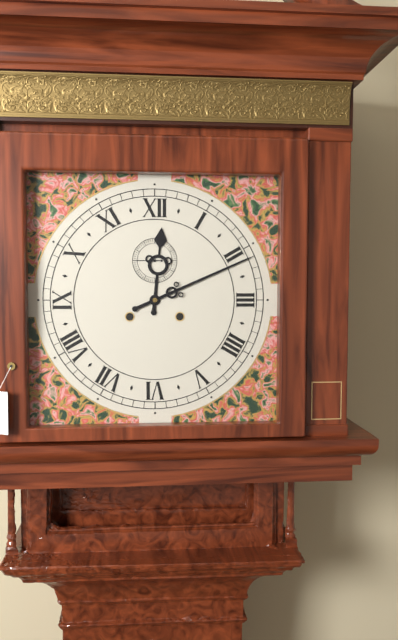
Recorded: 12 h 11 min
